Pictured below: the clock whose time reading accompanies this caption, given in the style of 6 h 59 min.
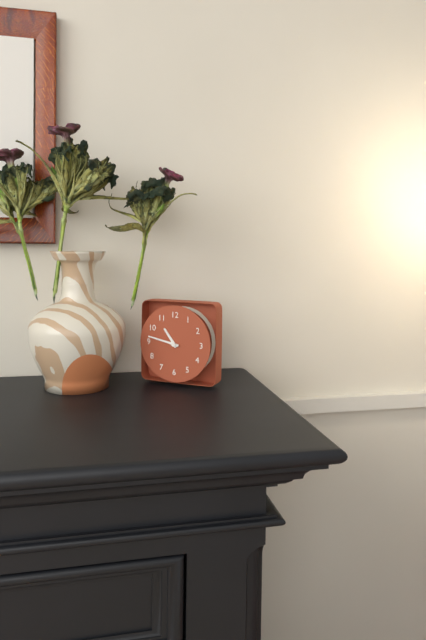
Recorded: 10 h 47 min
